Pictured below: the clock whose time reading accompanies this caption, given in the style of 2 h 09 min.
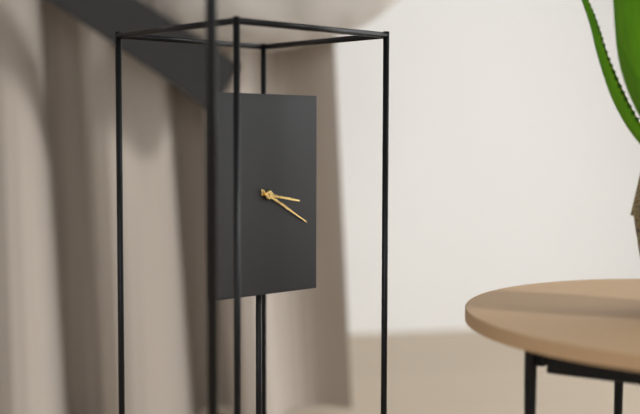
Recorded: 3 h 20 min
